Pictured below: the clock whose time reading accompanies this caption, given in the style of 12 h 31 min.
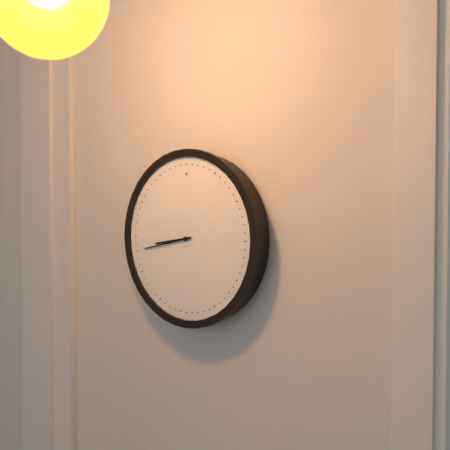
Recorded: 8 h 43 min
